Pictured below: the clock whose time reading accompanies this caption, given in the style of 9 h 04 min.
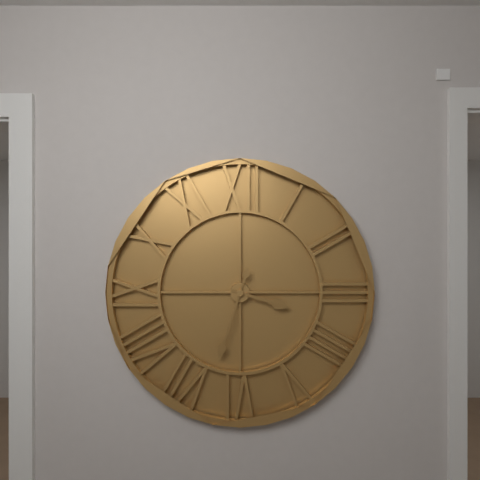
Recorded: 3 h 33 min
